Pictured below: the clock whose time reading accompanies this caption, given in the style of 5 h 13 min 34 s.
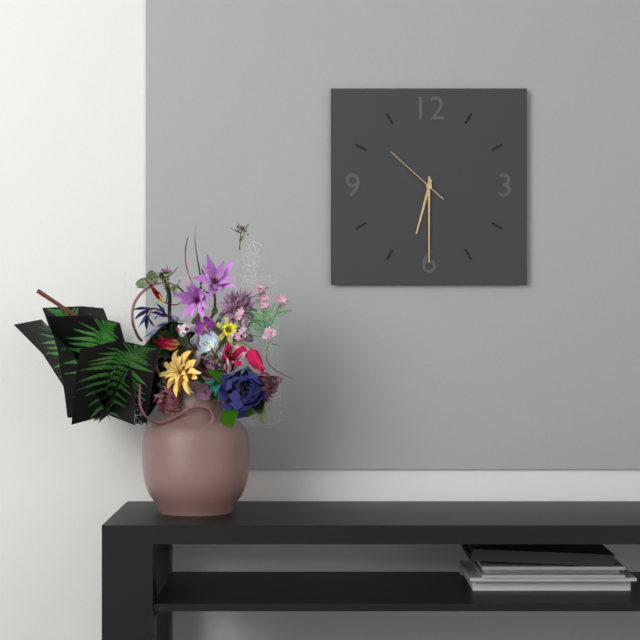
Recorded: 6 h 30 min 52 s
